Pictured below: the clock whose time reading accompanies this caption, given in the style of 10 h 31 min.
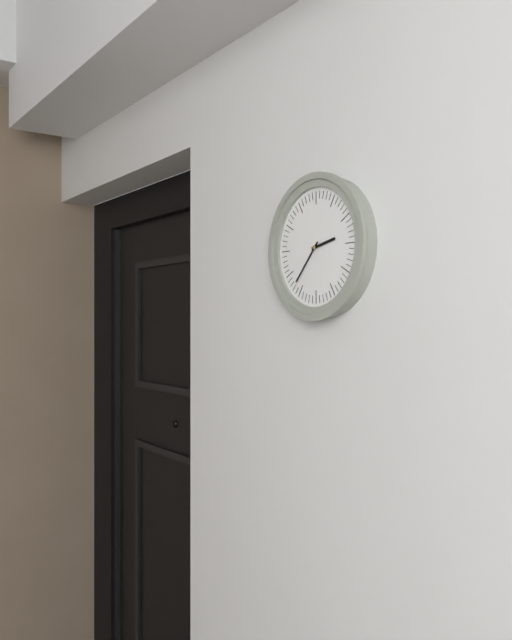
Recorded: 2 h 37 min
